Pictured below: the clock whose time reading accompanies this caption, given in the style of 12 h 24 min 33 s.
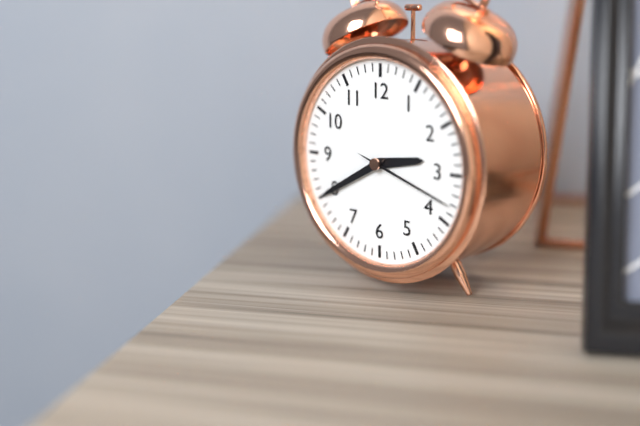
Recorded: 2 h 40 min 18 s
